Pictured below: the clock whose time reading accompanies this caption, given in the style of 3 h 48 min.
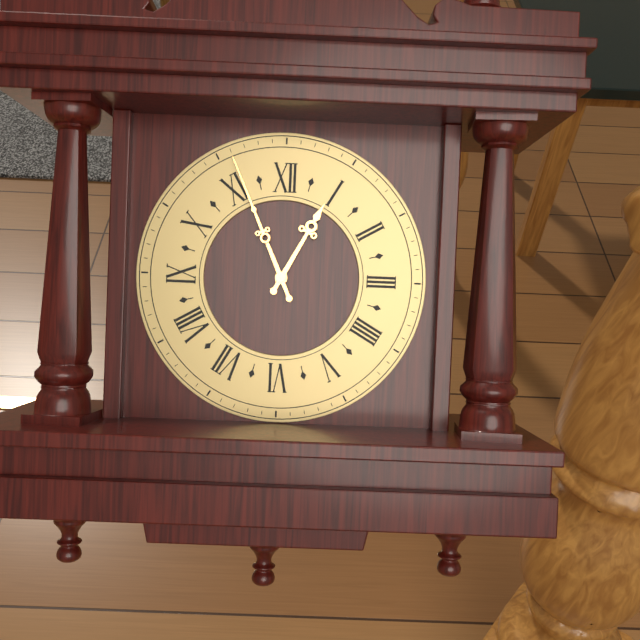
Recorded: 12 h 56 min
